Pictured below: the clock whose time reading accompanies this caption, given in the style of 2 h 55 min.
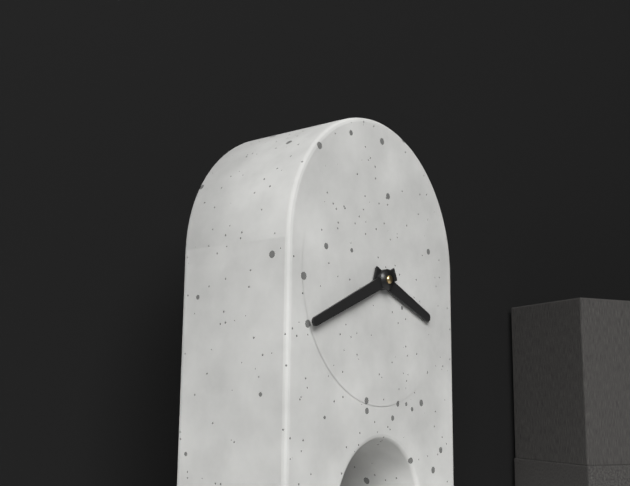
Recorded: 3 h 41 min
